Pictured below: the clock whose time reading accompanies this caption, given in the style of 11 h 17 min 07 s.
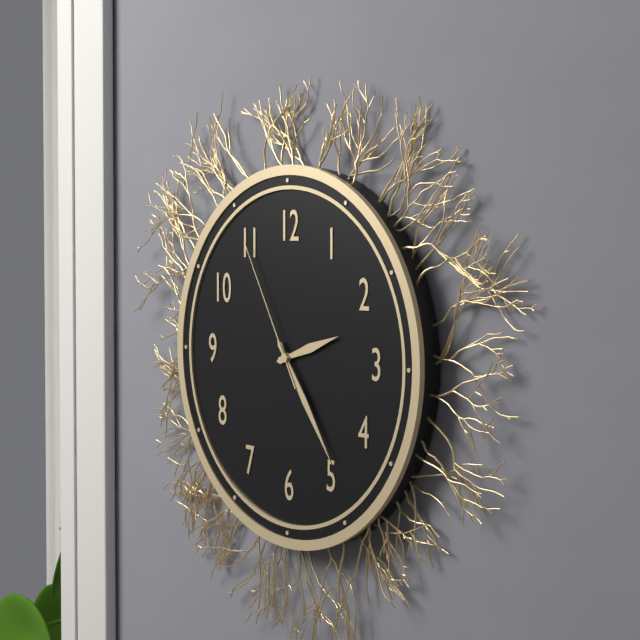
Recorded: 2 h 24 min 55 s
